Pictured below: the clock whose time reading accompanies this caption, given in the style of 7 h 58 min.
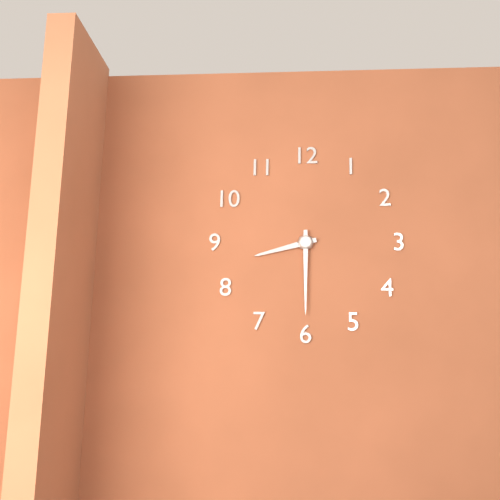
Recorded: 8 h 30 min
